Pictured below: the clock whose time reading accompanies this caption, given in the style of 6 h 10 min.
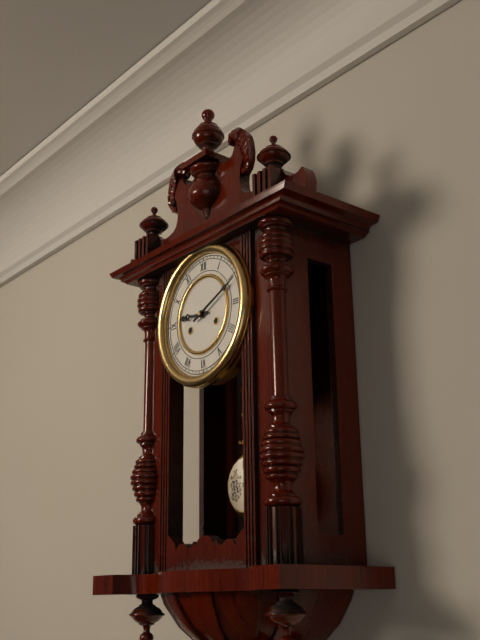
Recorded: 9 h 11 min
